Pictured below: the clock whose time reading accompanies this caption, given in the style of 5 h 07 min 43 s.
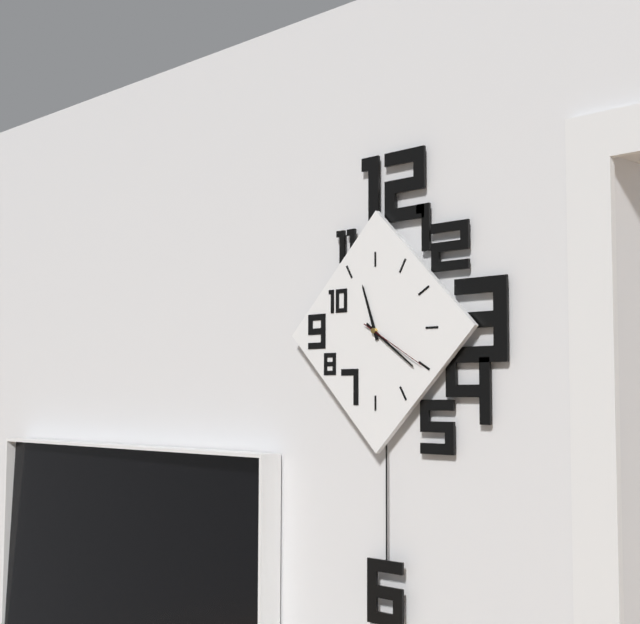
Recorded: 11 h 21 min 20 s
